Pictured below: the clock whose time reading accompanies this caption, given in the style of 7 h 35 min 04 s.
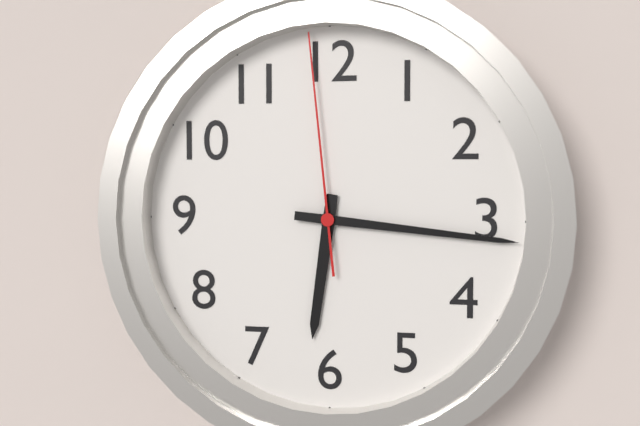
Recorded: 6 h 16 min 59 s
